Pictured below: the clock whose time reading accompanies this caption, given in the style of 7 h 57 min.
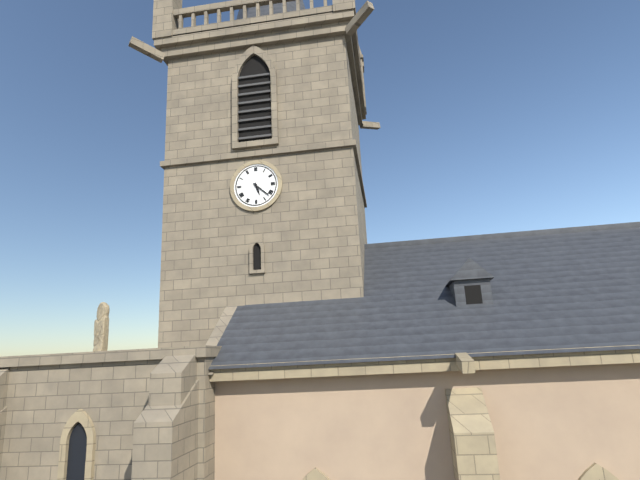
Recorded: 5 h 22 min
